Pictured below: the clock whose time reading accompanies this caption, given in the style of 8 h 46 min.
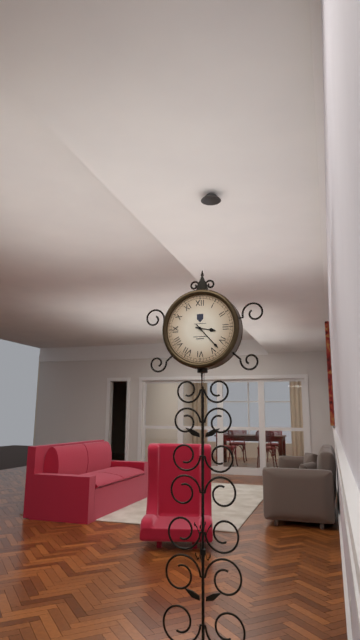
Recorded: 3 h 23 min
